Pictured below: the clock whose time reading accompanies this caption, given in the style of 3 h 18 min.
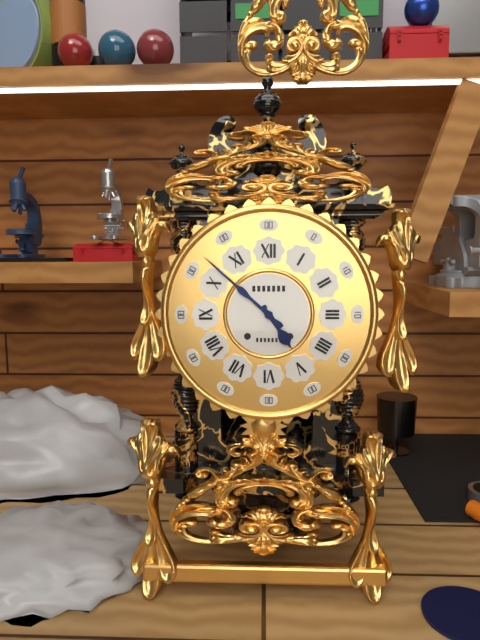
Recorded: 4 h 52 min
